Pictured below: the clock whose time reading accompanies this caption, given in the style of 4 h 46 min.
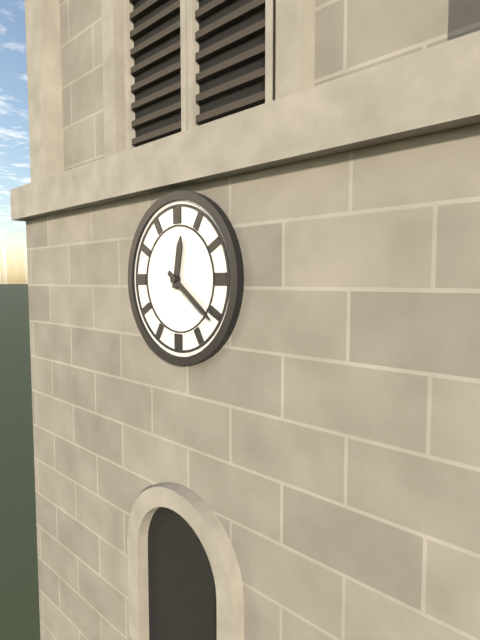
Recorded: 12 h 21 min
